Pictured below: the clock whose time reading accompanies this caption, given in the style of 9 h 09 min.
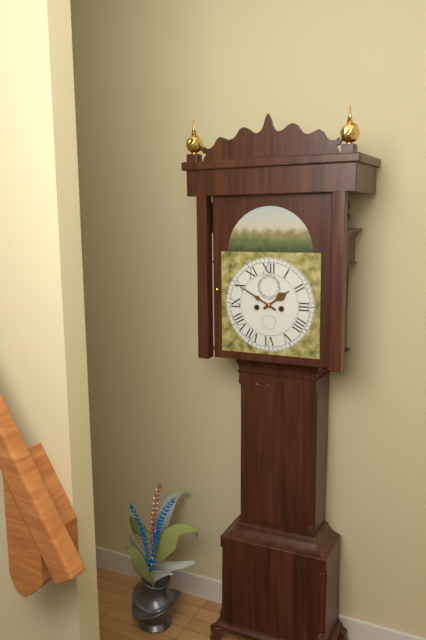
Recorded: 1 h 50 min
